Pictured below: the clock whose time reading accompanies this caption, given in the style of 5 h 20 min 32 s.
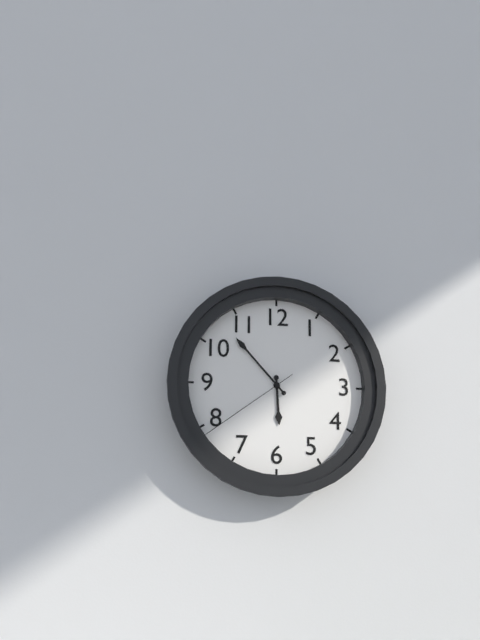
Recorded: 5 h 53 min 39 s
